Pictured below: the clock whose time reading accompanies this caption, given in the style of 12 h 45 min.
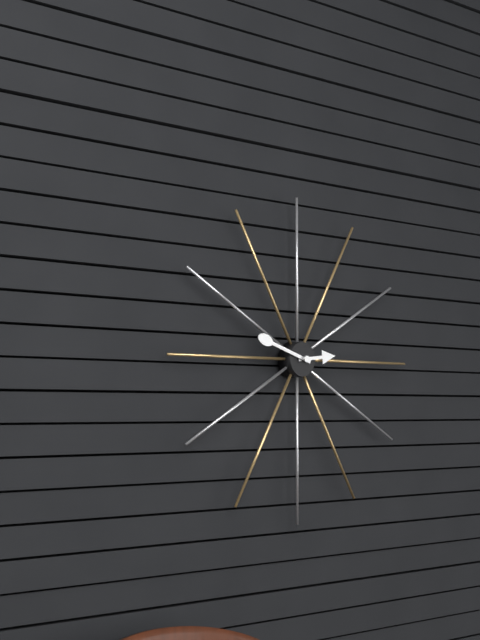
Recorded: 2 h 48 min
